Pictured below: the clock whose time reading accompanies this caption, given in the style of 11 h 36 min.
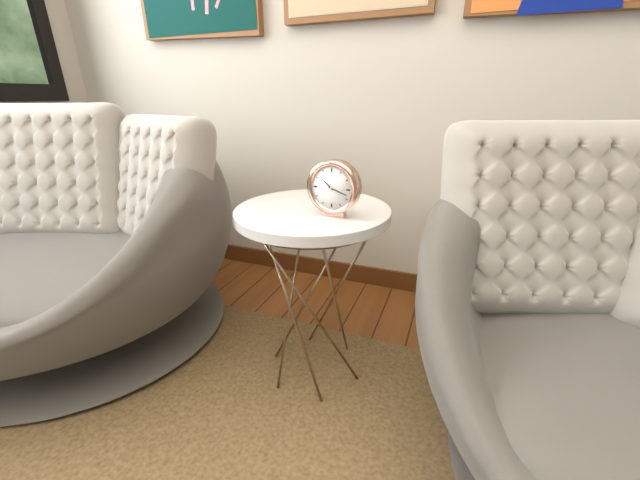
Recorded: 10 h 18 min
